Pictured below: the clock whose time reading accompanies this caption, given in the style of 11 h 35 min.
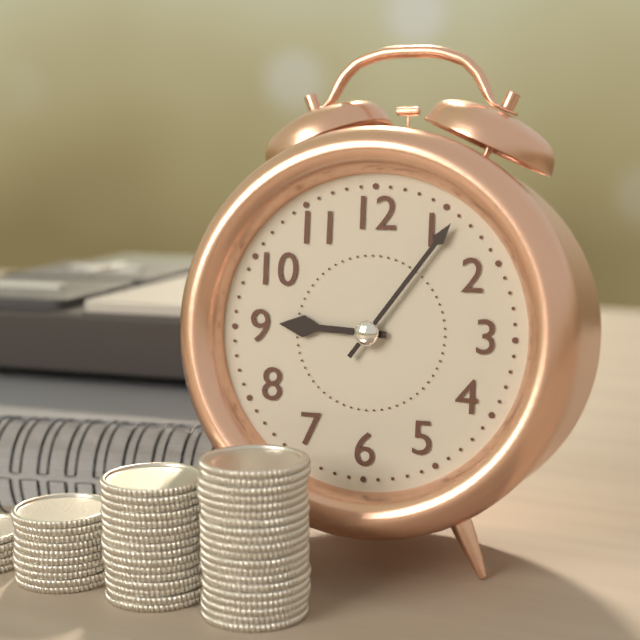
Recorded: 9 h 06 min
